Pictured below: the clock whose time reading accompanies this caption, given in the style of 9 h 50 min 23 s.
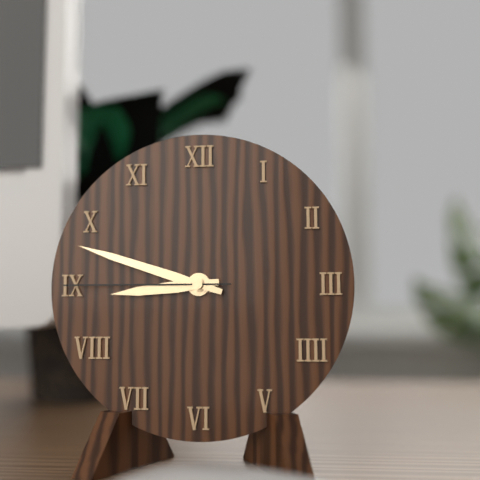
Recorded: 8 h 48 min 45 s
